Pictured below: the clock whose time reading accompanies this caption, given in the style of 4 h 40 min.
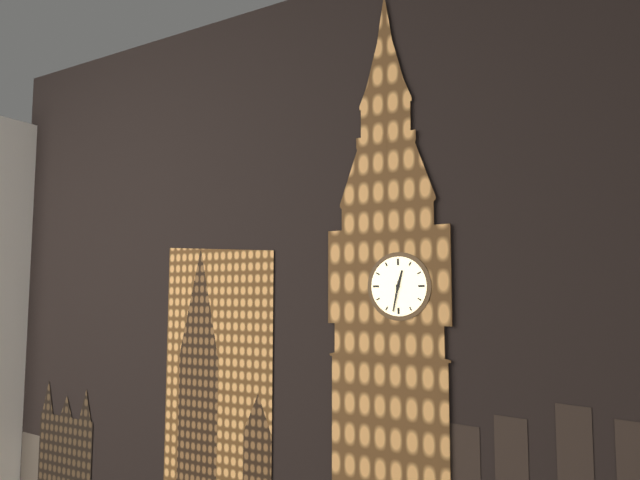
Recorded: 12 h 32 min
